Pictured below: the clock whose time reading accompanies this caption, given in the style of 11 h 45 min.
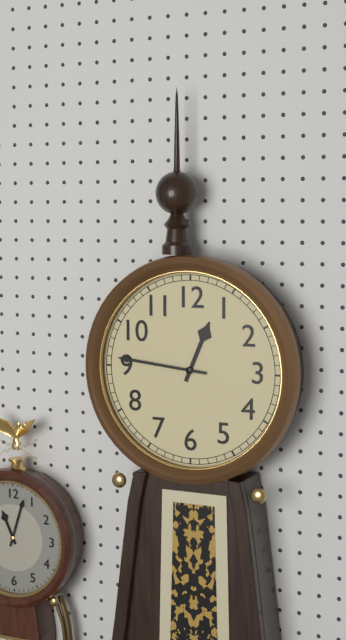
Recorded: 12 h 46 min
